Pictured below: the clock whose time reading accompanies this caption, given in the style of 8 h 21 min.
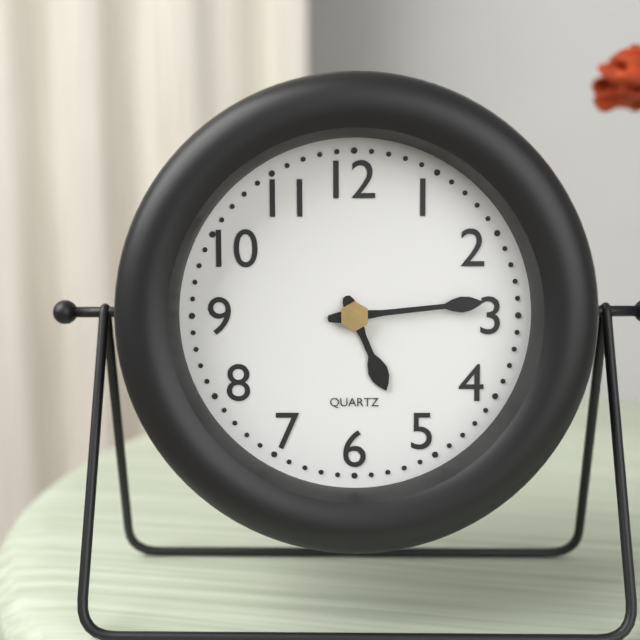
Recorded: 5 h 14 min
